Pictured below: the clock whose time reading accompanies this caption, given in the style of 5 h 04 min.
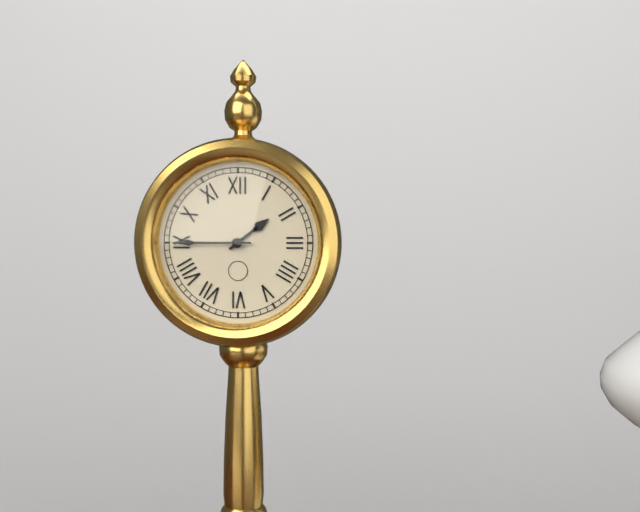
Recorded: 1 h 45 min
